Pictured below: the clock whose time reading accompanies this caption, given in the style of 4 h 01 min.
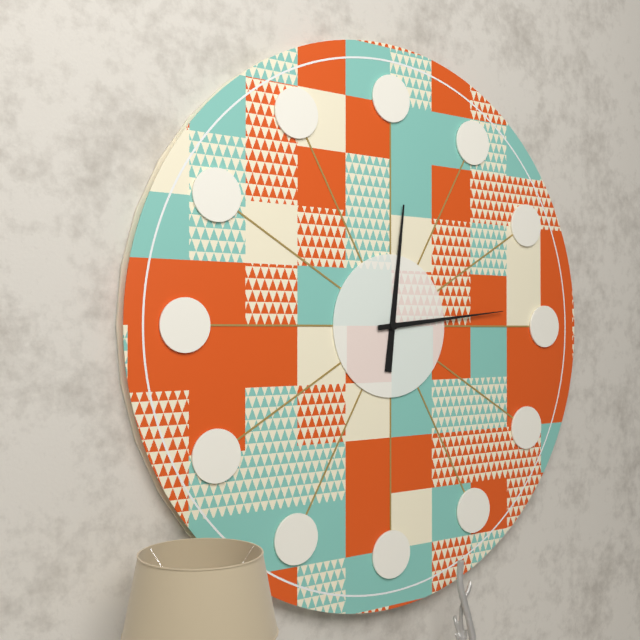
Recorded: 12 h 14 min
